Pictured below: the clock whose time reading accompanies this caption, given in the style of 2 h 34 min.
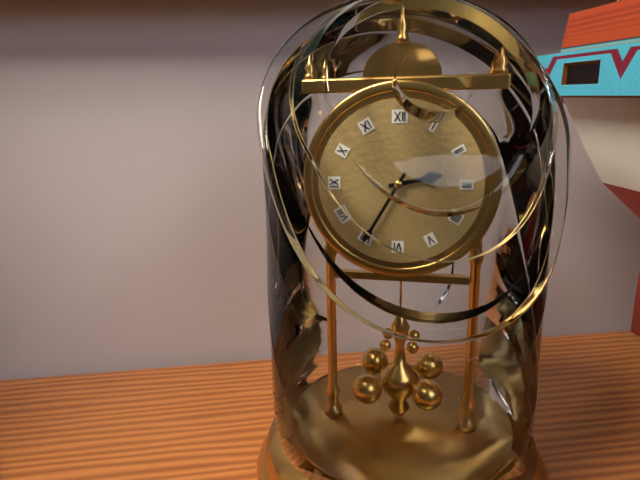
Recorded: 2 h 35 min
